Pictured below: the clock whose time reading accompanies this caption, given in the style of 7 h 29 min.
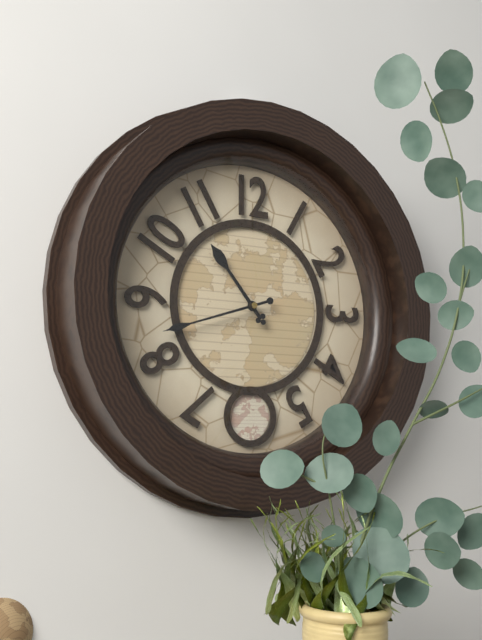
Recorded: 10 h 42 min
